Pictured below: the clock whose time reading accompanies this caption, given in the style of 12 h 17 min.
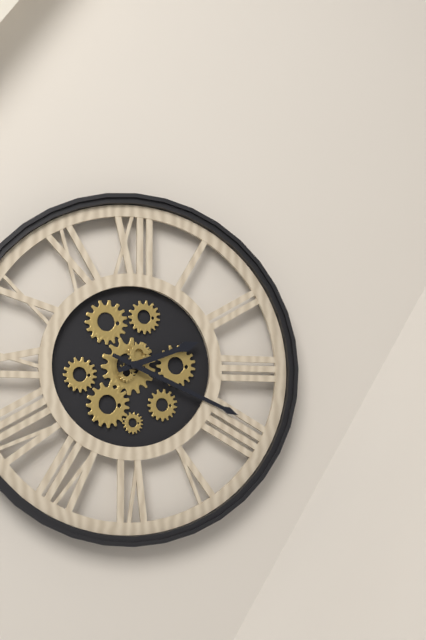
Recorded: 2 h 19 min
